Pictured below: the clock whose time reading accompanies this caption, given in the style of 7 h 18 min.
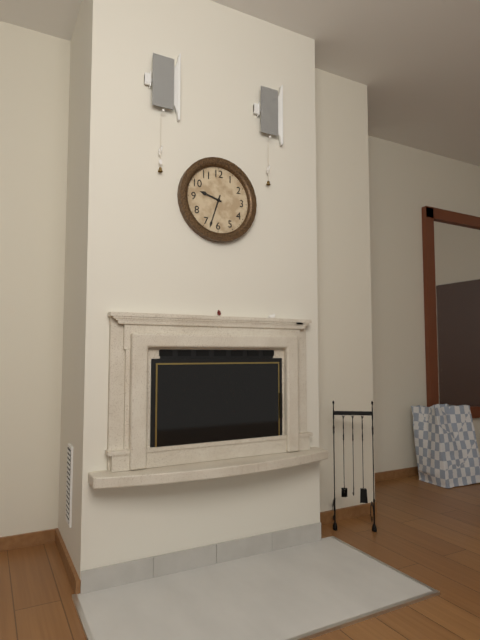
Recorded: 9 h 33 min
